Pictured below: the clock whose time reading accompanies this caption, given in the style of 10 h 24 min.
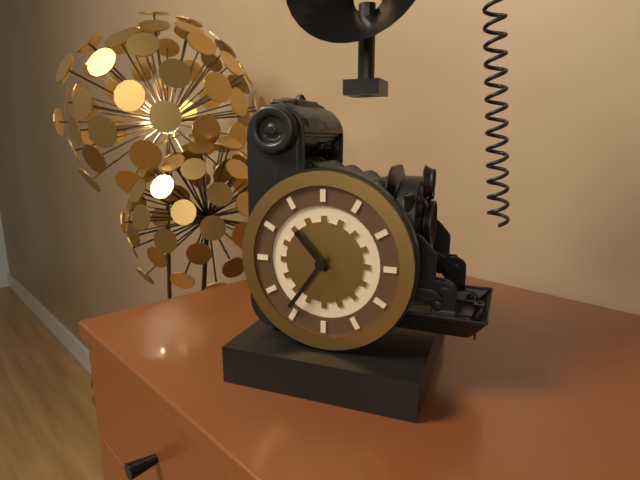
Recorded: 10 h 36 min
